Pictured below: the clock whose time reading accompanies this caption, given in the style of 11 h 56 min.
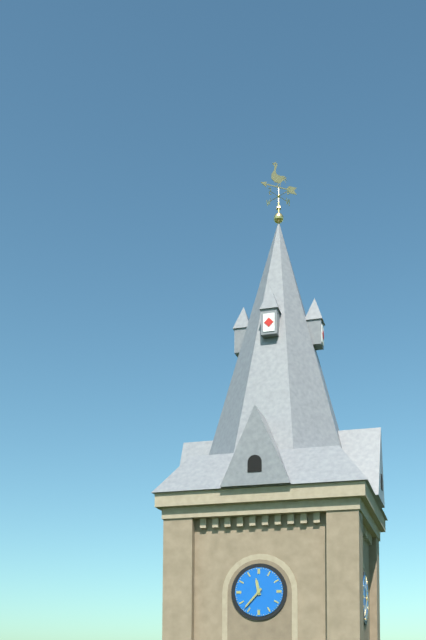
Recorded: 11 h 37 min
